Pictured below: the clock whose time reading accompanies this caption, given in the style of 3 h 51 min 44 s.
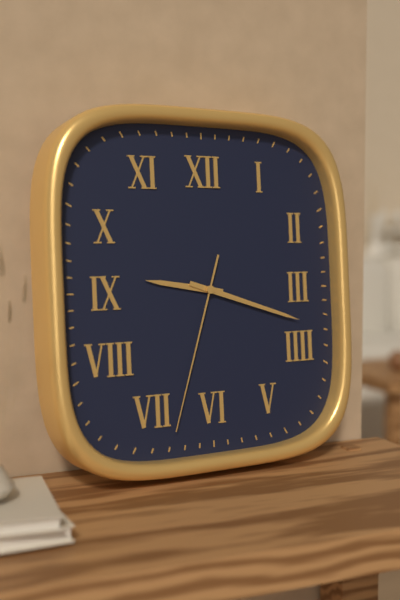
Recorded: 9 h 18 min 33 s
